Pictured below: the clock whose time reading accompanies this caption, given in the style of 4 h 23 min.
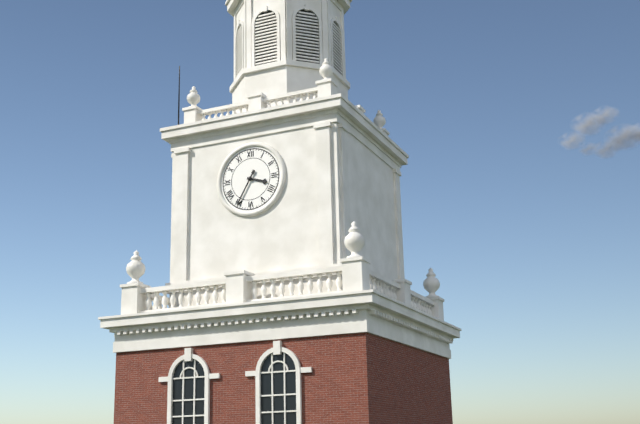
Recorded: 3 h 35 min
